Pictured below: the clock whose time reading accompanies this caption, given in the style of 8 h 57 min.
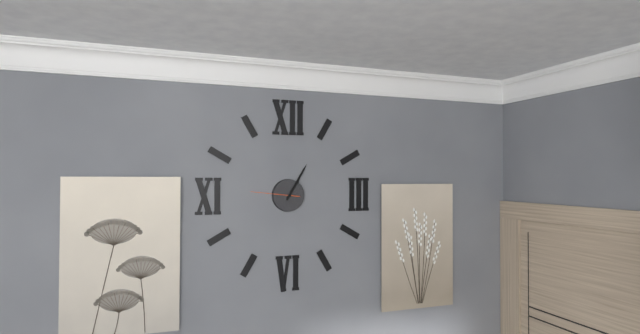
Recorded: 1 h 05 min
